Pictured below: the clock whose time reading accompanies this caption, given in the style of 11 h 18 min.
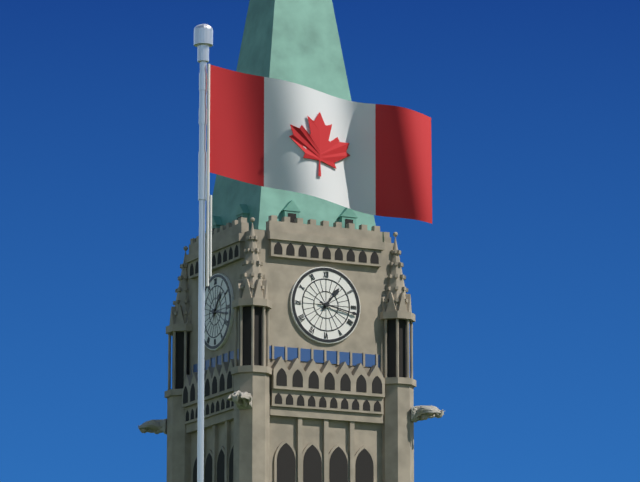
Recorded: 1 h 17 min
